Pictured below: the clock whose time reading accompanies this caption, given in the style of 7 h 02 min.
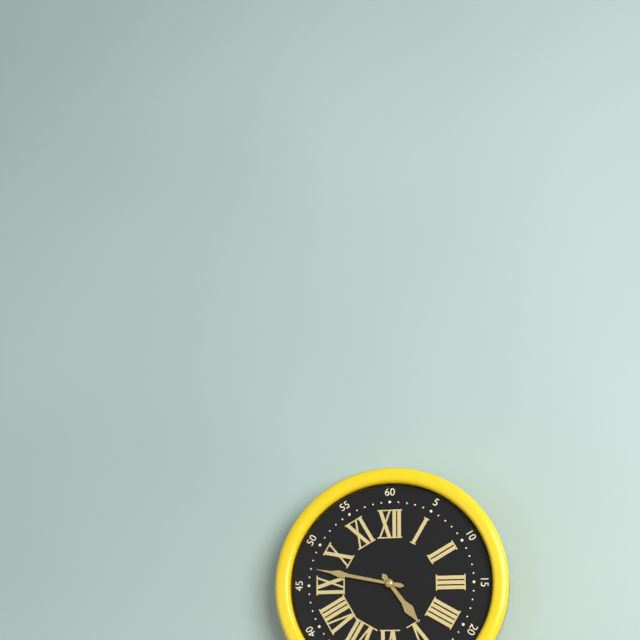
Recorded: 4 h 47 min
